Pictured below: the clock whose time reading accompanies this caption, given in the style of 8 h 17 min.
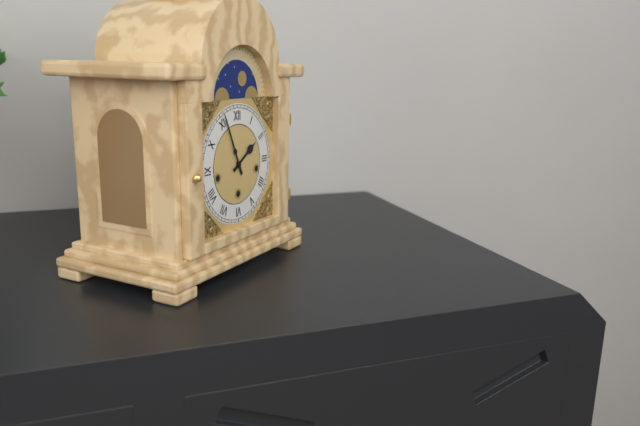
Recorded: 1 h 56 min
